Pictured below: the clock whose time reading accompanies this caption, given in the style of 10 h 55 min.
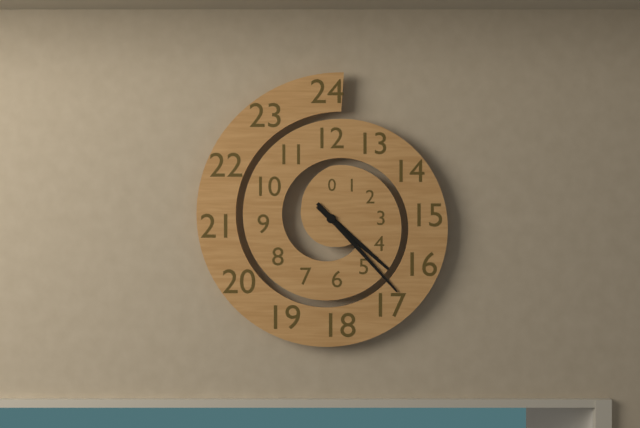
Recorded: 4 h 23 min
